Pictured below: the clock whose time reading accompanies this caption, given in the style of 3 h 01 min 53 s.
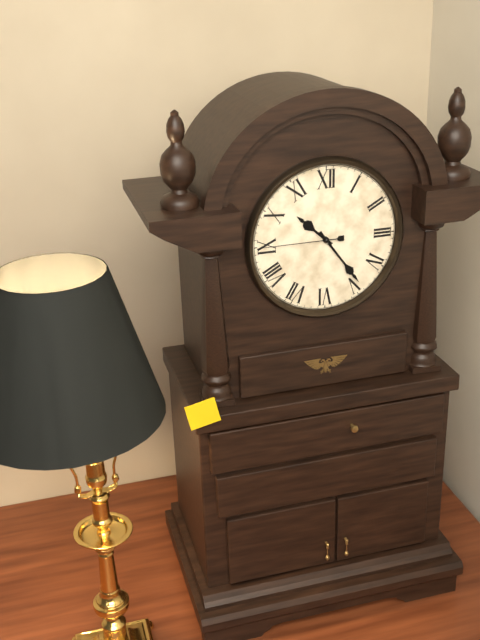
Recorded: 10 h 24 min 45 s
